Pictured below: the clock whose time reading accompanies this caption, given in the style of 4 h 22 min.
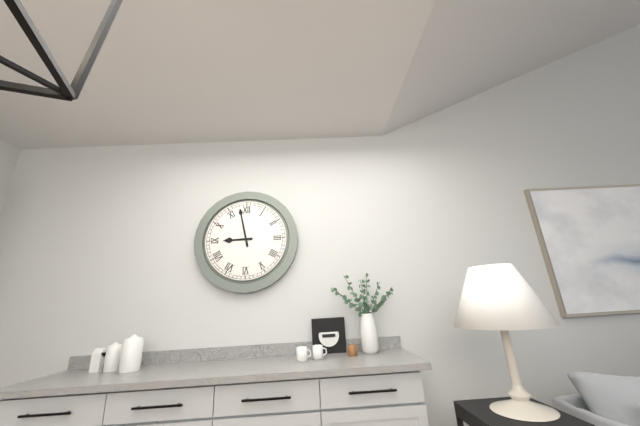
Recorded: 8 h 58 min
